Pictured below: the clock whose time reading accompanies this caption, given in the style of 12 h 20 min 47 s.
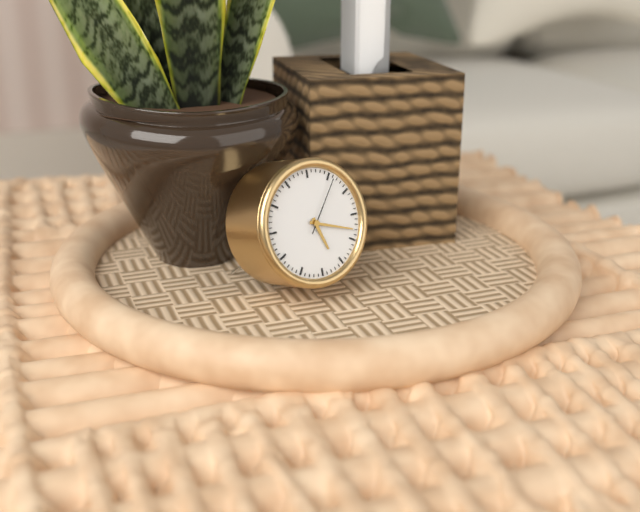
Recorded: 5 h 18 min 06 s
